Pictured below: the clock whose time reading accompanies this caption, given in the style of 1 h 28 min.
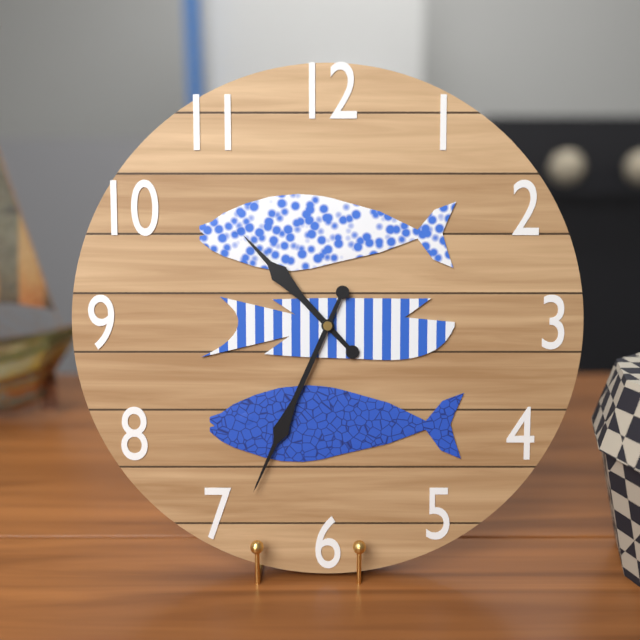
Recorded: 10 h 34 min
